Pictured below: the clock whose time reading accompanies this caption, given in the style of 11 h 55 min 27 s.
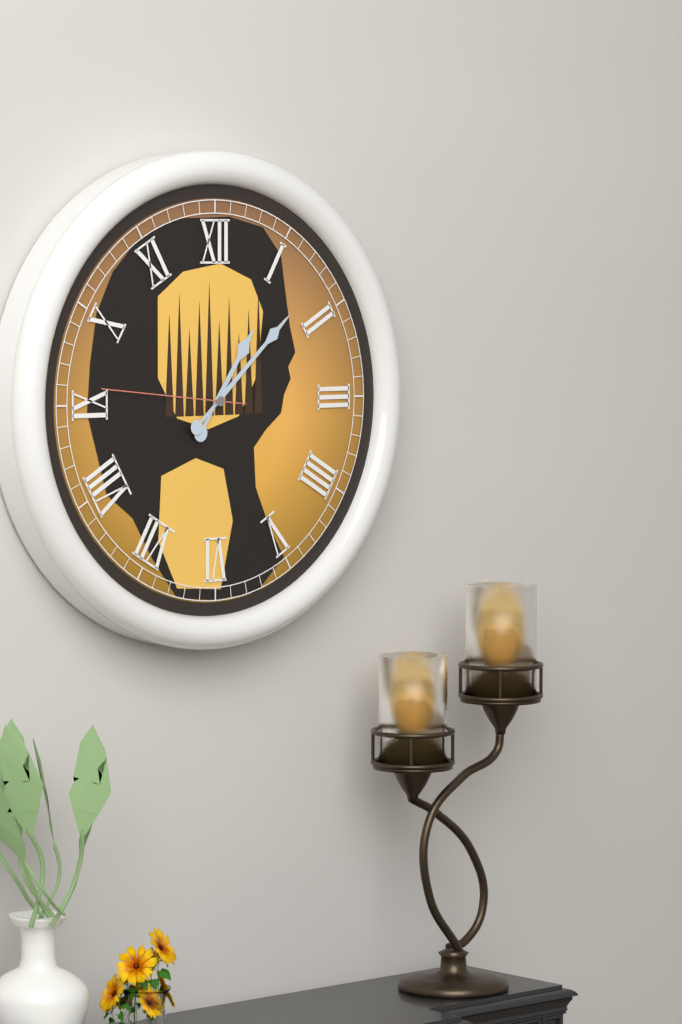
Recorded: 1 h 08 min 46 s
